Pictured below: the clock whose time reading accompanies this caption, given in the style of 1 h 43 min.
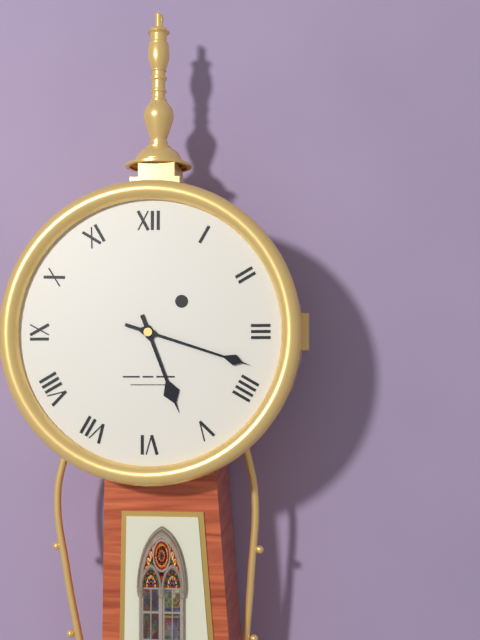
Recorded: 5 h 18 min
